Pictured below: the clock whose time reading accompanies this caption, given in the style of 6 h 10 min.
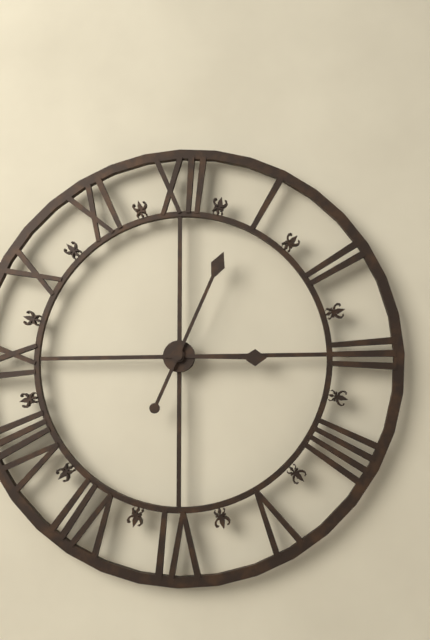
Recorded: 3 h 04 min
